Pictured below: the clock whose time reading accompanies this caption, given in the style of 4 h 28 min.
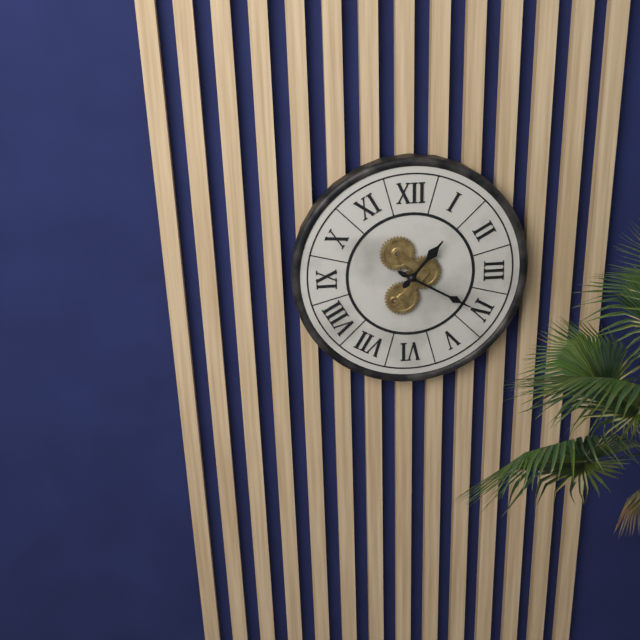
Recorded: 1 h 20 min
